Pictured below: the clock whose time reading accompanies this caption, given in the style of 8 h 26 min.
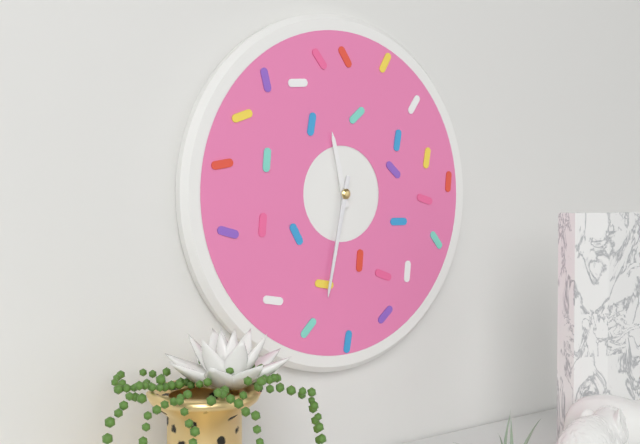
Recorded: 11 h 32 min
